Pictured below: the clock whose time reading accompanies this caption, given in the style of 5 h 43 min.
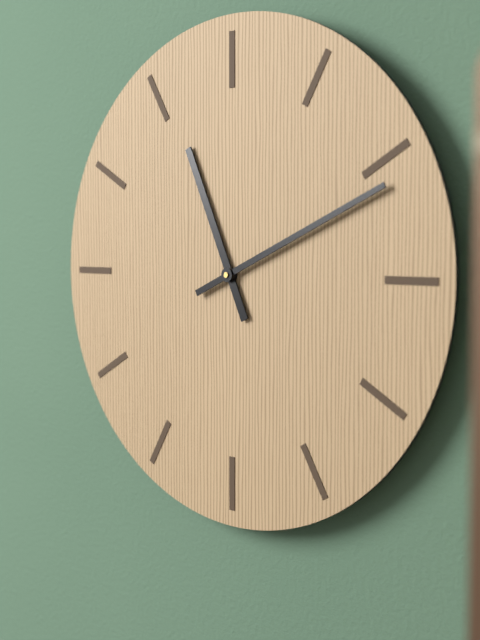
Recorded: 11 h 11 min
